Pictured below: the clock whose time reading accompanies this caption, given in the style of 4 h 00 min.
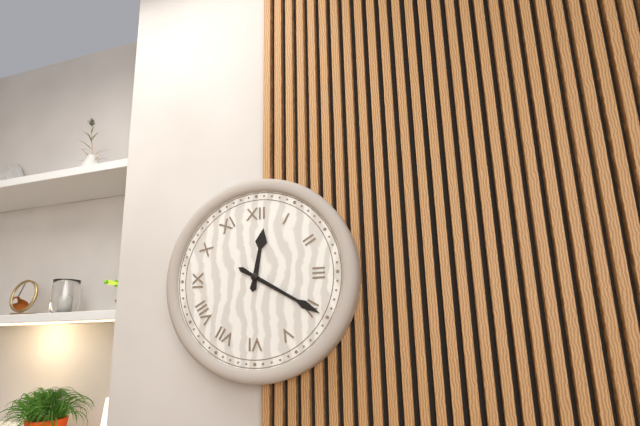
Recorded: 12 h 20 min
